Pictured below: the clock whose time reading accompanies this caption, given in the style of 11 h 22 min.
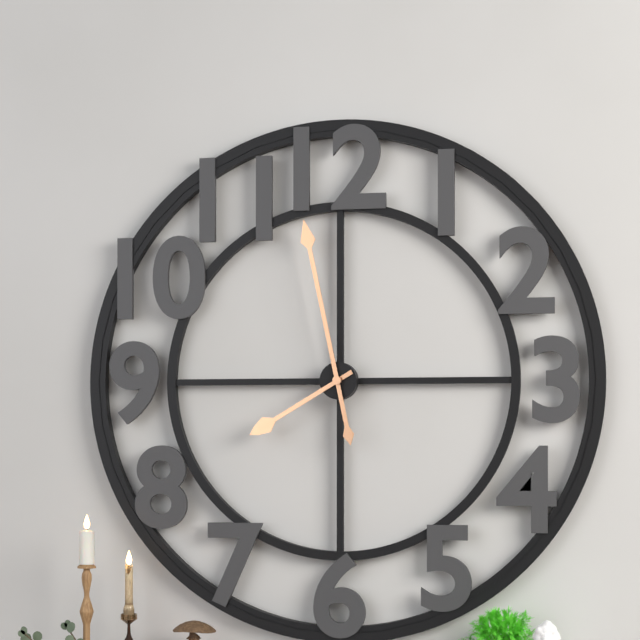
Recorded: 7 h 58 min
